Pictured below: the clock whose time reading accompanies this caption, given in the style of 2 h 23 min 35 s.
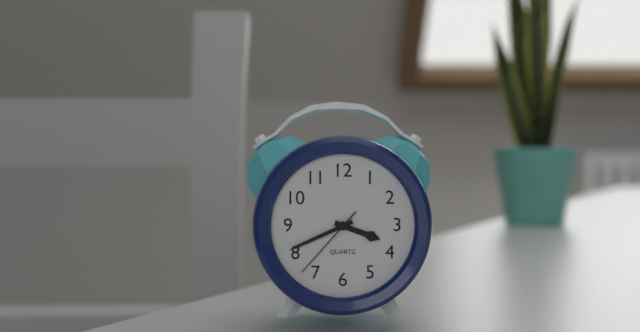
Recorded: 3 h 41 min 37 s
